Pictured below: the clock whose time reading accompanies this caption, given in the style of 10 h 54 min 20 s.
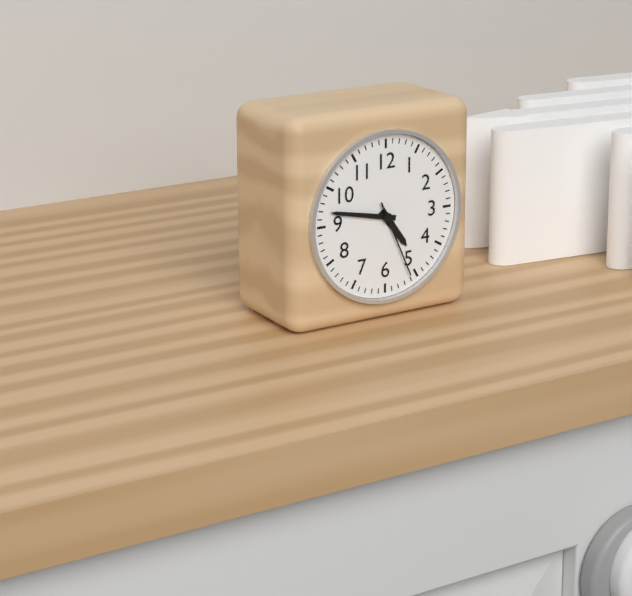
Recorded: 4 h 47 min 26 s
